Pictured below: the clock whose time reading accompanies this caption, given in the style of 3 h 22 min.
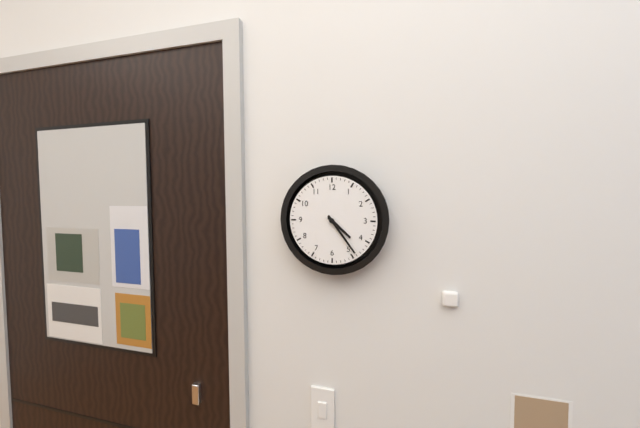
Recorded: 4 h 24 min
